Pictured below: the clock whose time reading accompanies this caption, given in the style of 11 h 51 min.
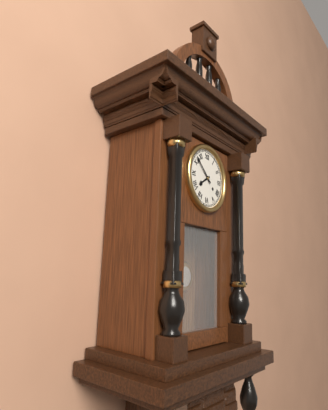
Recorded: 7 h 52 min
